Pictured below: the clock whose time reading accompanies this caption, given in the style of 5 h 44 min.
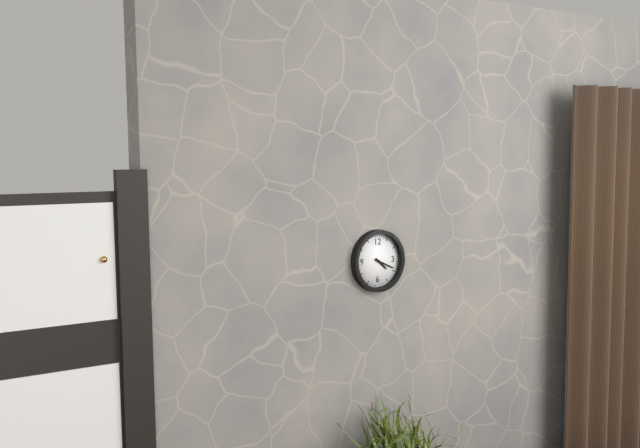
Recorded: 4 h 19 min
